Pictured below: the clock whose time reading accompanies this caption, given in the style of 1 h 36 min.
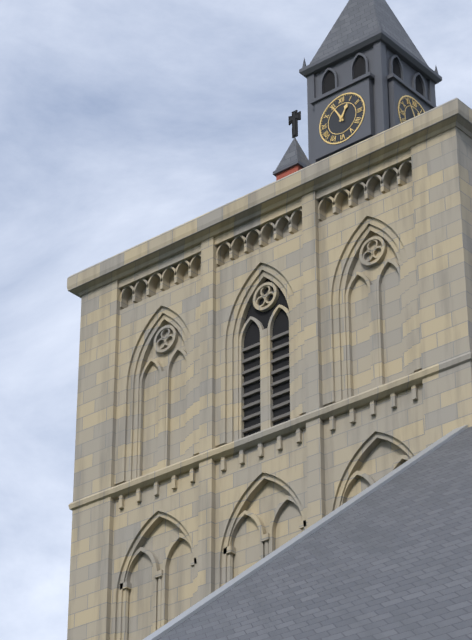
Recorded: 12 h 55 min
